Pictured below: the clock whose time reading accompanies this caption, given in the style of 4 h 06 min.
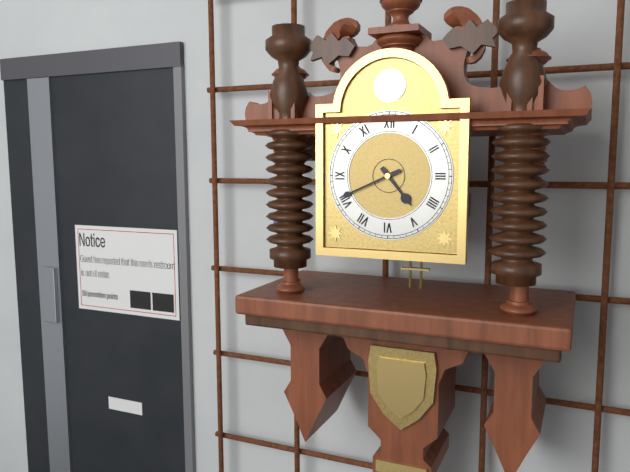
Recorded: 4 h 41 min
